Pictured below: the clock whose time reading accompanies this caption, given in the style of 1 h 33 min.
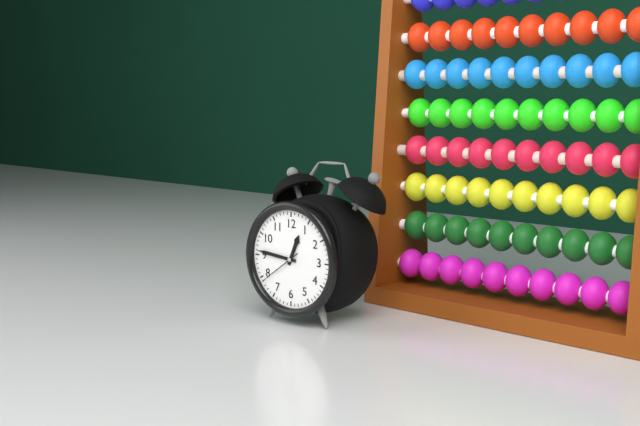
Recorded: 12 h 46 min
